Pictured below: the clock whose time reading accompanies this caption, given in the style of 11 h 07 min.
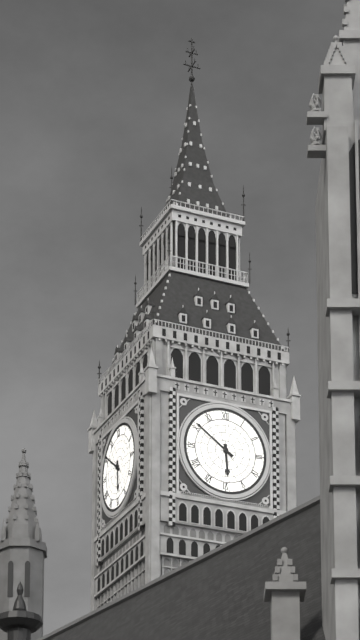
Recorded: 5 h 51 min
